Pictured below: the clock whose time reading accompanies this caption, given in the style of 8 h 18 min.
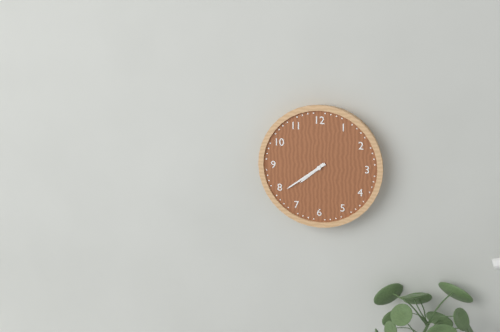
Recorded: 7 h 39 min
